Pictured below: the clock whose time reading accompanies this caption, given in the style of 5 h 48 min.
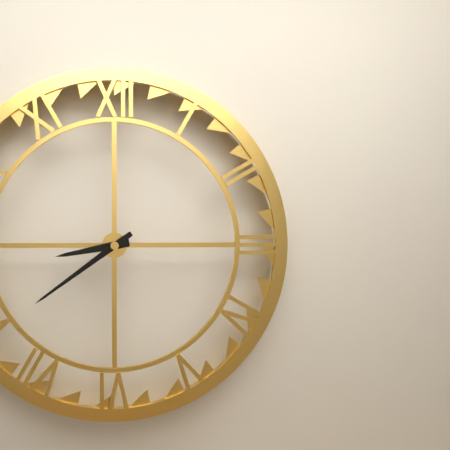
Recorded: 8 h 39 min
